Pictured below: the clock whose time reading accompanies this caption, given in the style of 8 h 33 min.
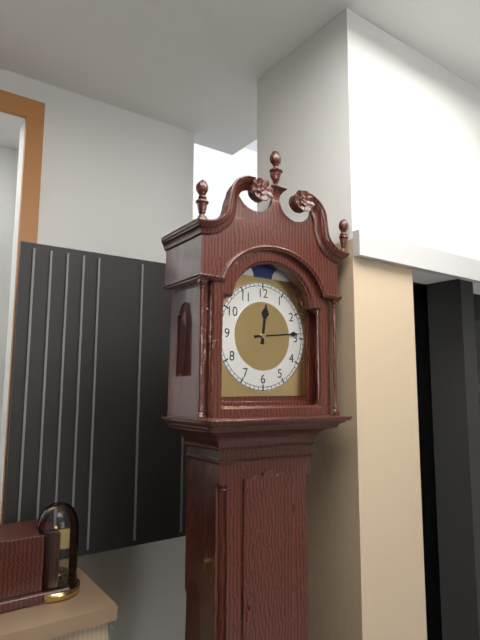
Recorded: 12 h 14 min
